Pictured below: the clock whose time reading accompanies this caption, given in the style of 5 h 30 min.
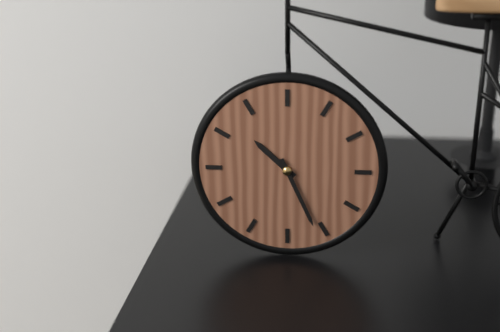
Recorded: 10 h 26 min
